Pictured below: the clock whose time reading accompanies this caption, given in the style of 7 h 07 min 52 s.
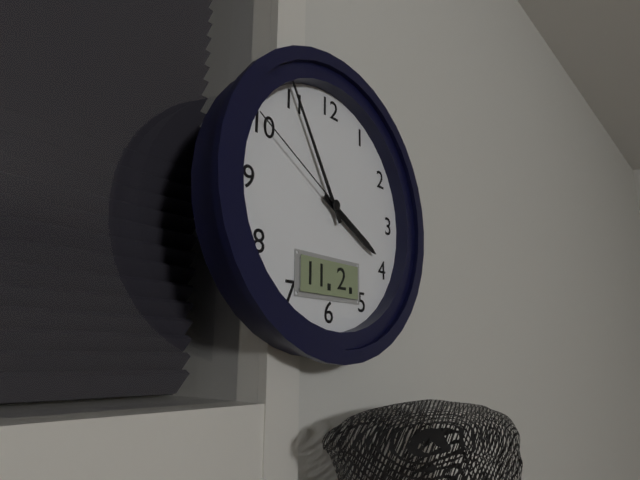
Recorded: 3 h 55 min 50 s
